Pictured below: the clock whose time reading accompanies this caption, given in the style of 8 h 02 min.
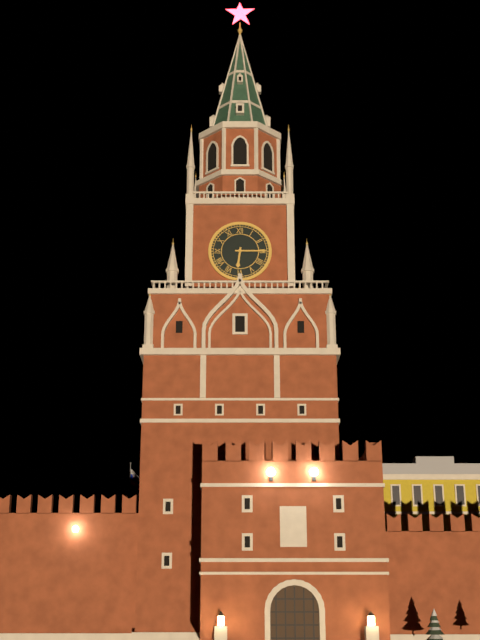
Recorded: 6 h 15 min
